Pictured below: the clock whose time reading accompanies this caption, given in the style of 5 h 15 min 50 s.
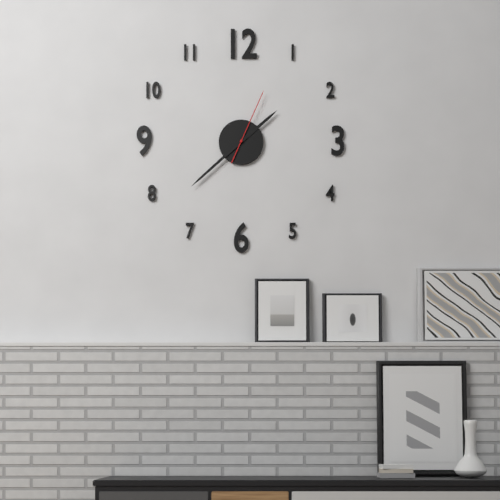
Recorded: 1 h 38 min 04 s
